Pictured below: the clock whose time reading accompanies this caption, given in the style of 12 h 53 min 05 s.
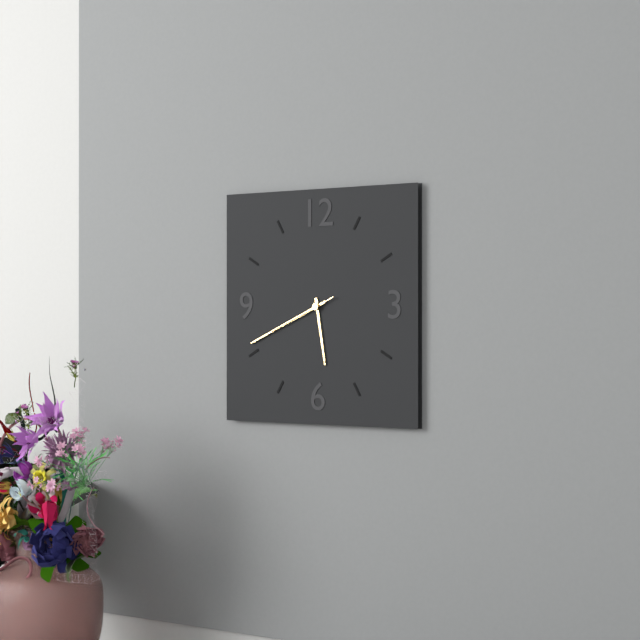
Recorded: 5 h 41 min 41 s
